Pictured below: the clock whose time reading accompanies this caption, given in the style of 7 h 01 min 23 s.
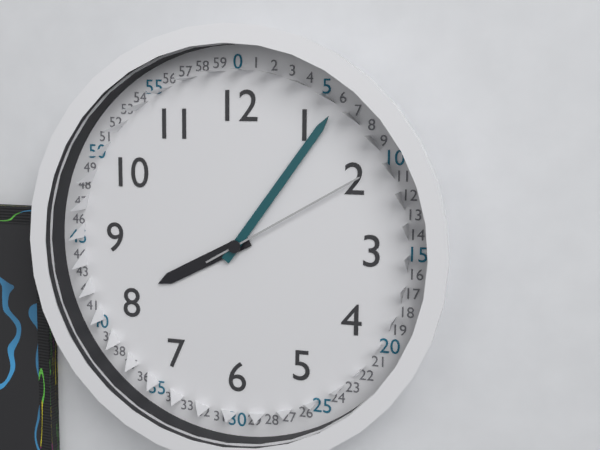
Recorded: 8 h 06 min 10 s
